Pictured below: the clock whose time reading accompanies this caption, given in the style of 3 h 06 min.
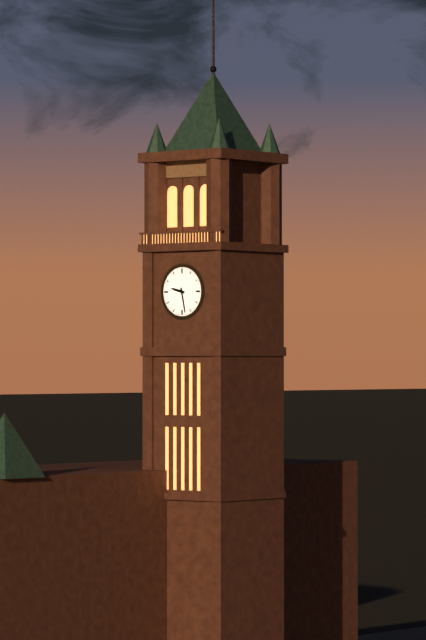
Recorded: 9 h 28 min
